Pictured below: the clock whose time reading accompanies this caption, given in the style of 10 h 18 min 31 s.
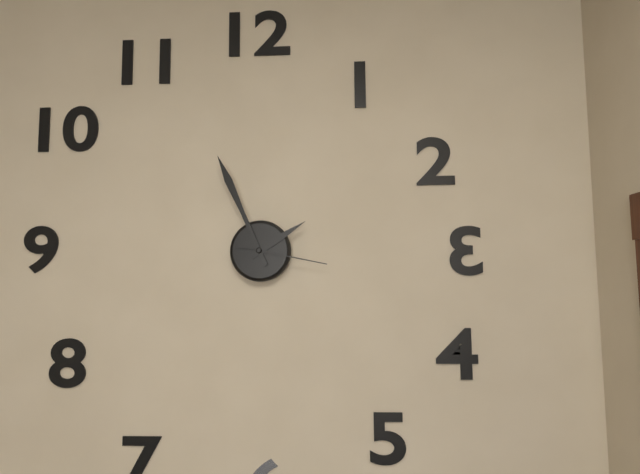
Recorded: 1 h 56 min 17 s
